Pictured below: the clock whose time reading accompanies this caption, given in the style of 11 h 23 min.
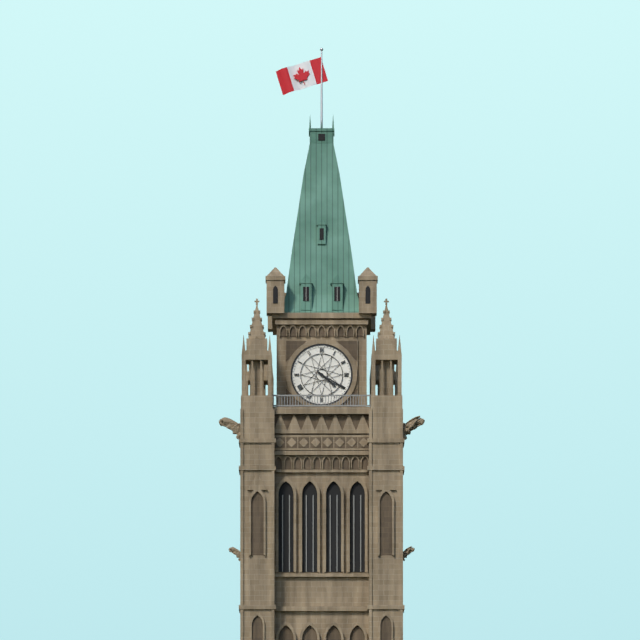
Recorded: 4 h 20 min
